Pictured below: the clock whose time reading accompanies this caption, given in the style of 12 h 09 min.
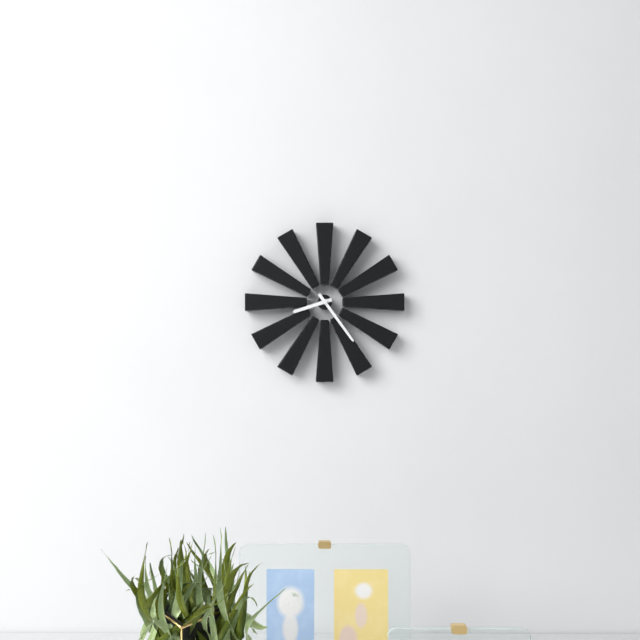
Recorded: 8 h 24 min
